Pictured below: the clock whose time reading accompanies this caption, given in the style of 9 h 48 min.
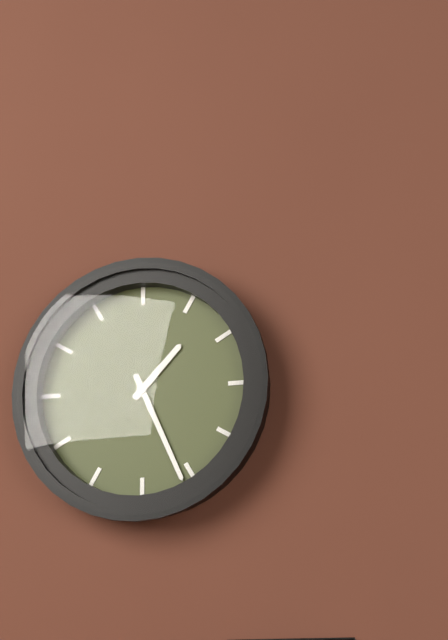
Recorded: 1 h 26 min
